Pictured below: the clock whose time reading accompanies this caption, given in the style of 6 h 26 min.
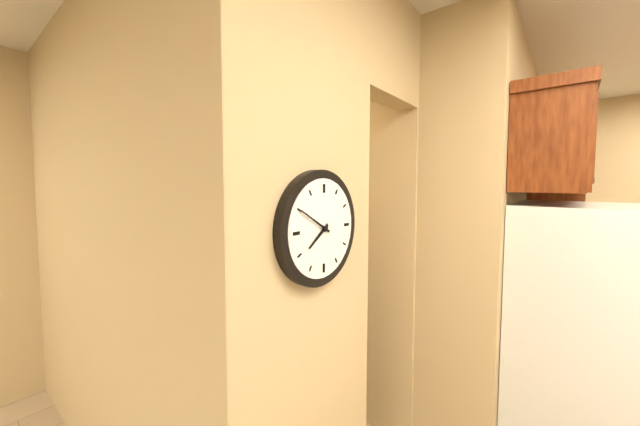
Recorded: 7 h 50 min
